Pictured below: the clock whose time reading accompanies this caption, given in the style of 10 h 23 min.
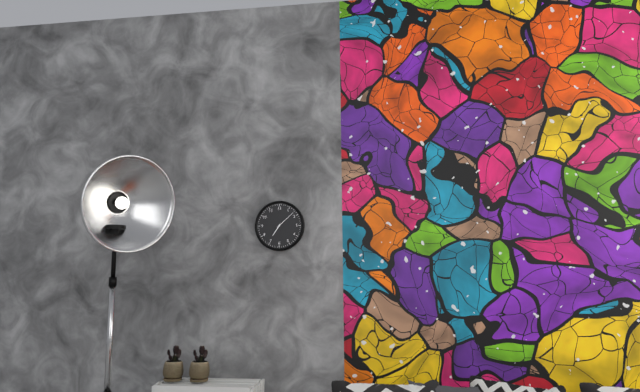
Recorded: 7 h 08 min
